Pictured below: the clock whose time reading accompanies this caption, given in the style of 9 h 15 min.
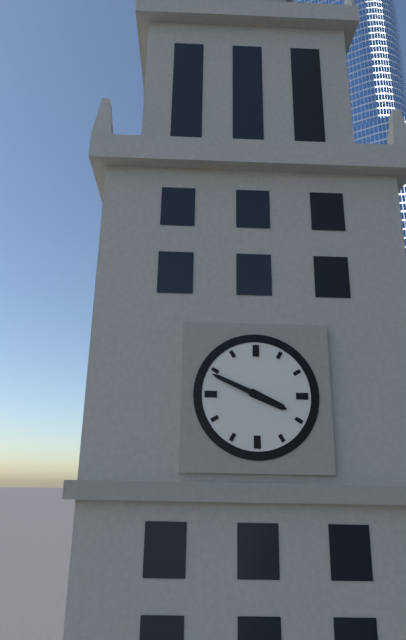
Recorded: 3 h 49 min
